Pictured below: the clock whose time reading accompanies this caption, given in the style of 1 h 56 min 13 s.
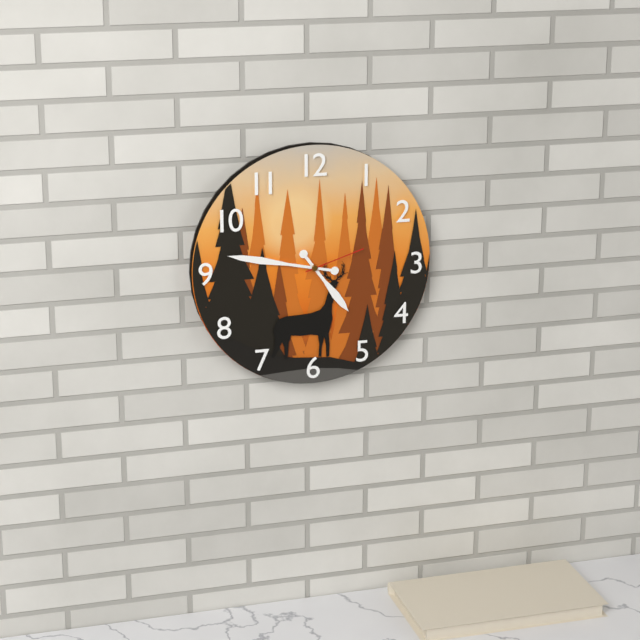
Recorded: 4 h 47 min 12 s
